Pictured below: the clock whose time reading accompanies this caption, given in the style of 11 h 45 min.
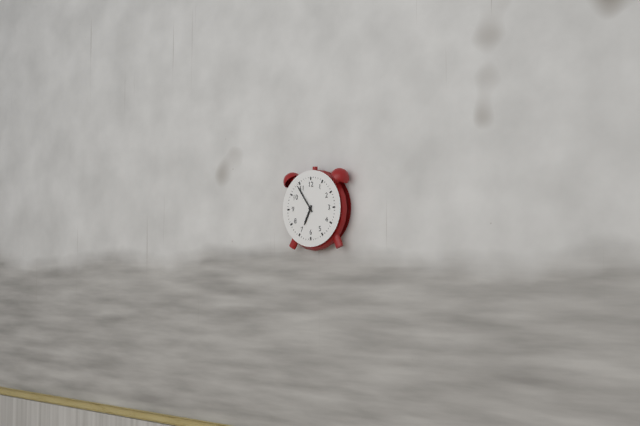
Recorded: 6 h 54 min
